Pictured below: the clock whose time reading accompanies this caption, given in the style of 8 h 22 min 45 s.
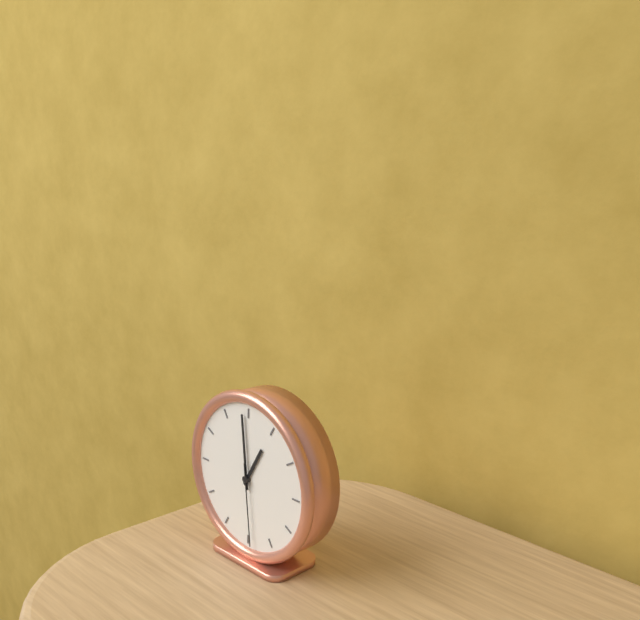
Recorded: 12 h 59 min 29 s
